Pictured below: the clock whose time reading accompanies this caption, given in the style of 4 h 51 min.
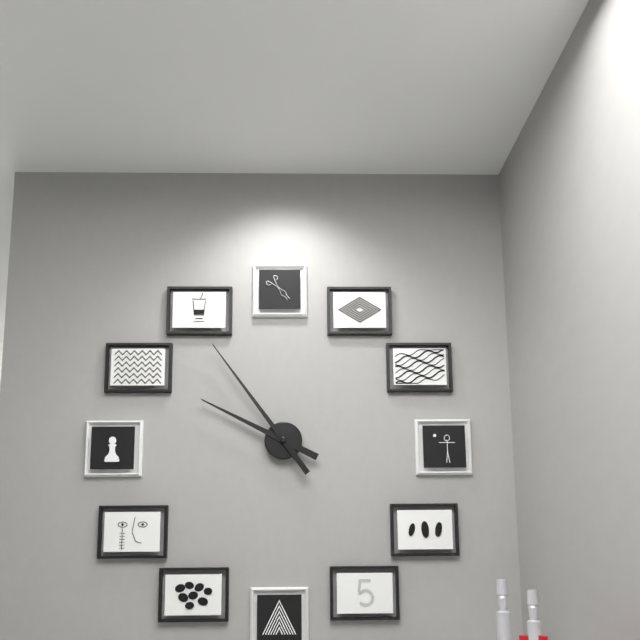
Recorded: 9 h 54 min
